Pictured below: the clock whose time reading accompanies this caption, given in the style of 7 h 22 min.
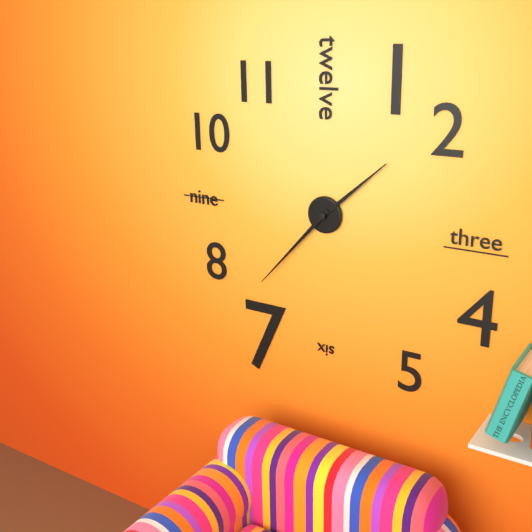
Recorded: 1 h 37 min
